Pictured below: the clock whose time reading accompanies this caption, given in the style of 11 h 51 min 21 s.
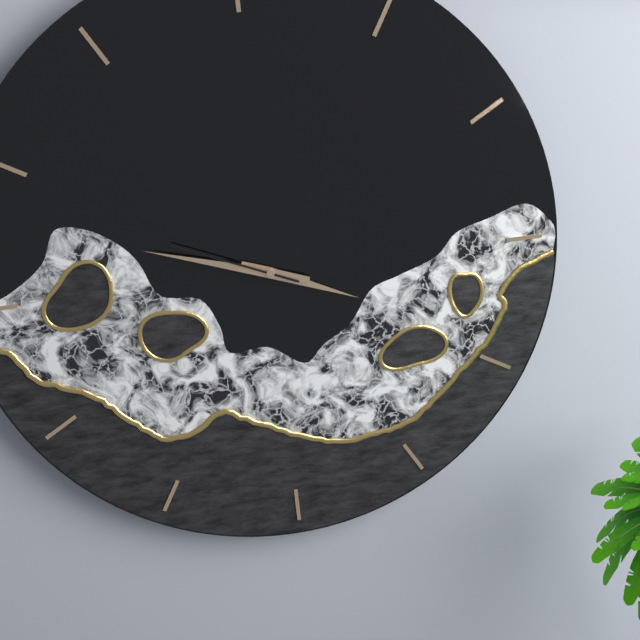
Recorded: 3 h 48 min 49 s
